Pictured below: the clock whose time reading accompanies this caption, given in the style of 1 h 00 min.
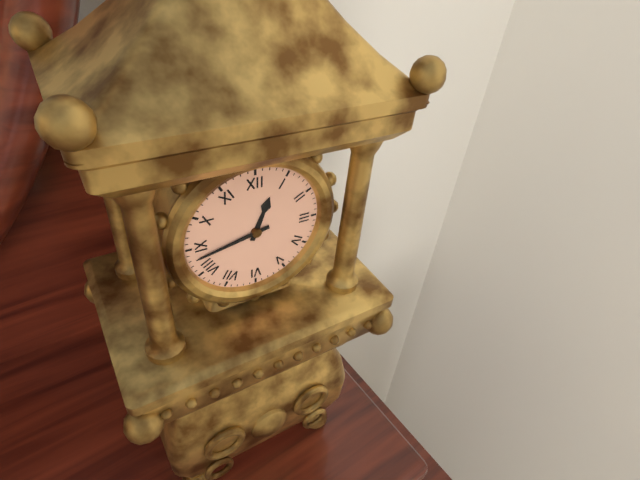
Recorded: 12 h 43 min
